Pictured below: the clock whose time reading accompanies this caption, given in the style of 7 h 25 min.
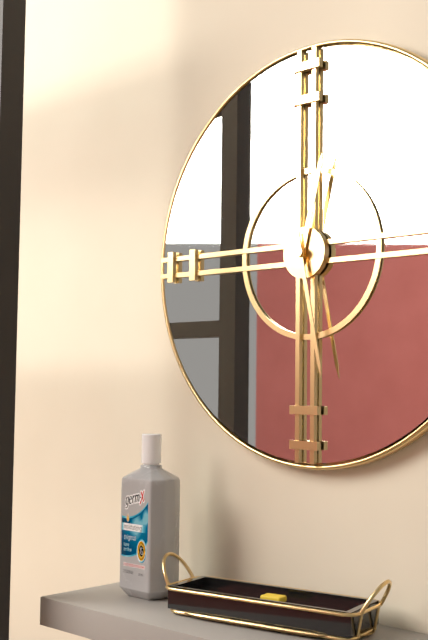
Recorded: 12 h 28 min
